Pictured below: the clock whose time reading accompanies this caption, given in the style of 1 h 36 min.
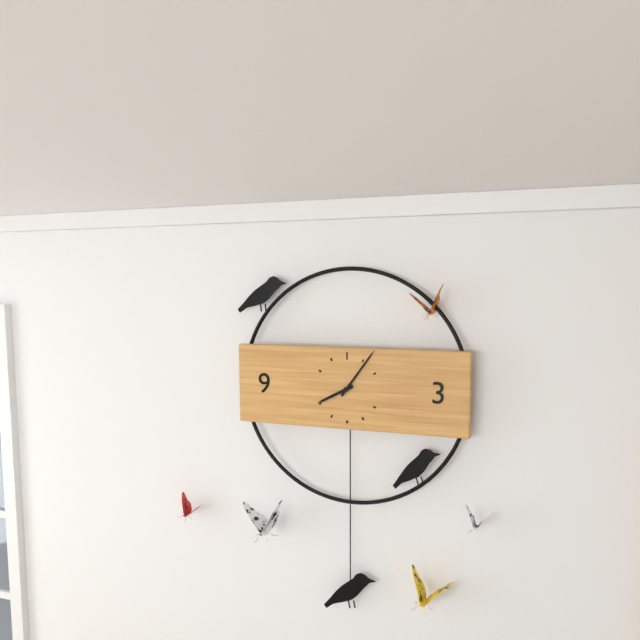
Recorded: 8 h 06 min
